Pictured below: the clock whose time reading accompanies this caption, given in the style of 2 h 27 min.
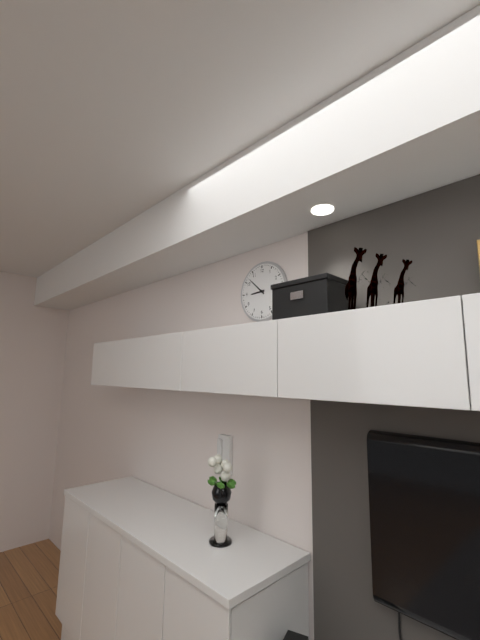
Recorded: 8 h 52 min
